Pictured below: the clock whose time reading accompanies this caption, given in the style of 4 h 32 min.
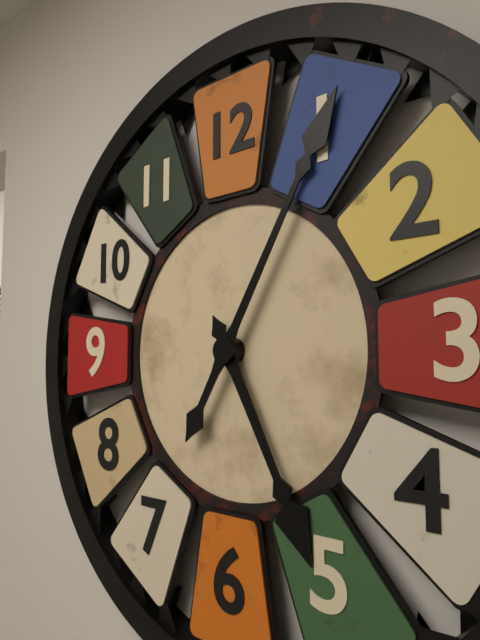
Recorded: 5 h 05 min
